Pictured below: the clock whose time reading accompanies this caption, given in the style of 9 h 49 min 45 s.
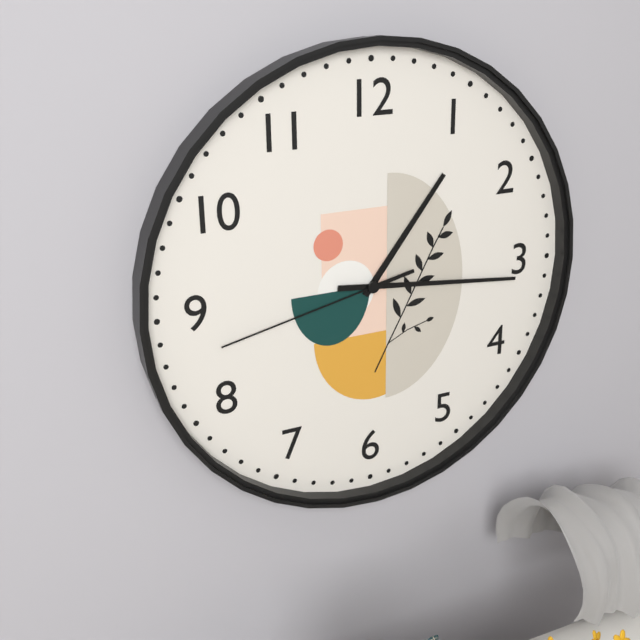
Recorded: 1 h 16 min 43 s
